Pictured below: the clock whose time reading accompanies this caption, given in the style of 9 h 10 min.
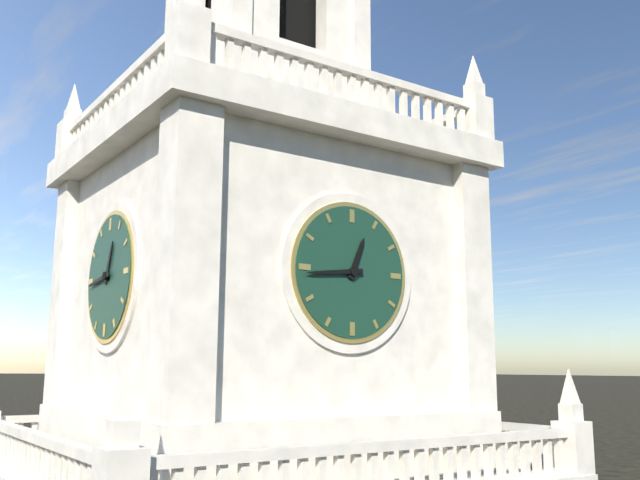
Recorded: 12 h 44 min
